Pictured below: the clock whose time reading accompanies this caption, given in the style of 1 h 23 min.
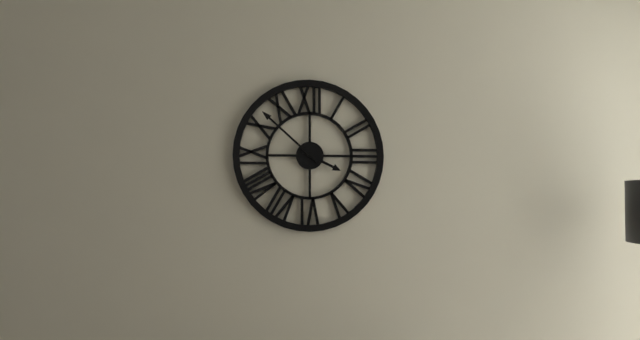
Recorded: 3 h 52 min
